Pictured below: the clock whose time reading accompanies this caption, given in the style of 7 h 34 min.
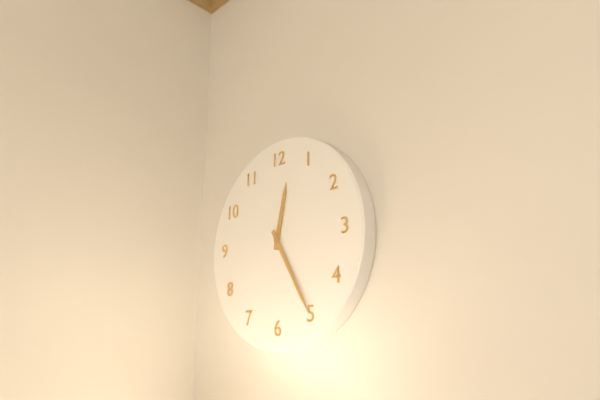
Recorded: 12 h 25 min
